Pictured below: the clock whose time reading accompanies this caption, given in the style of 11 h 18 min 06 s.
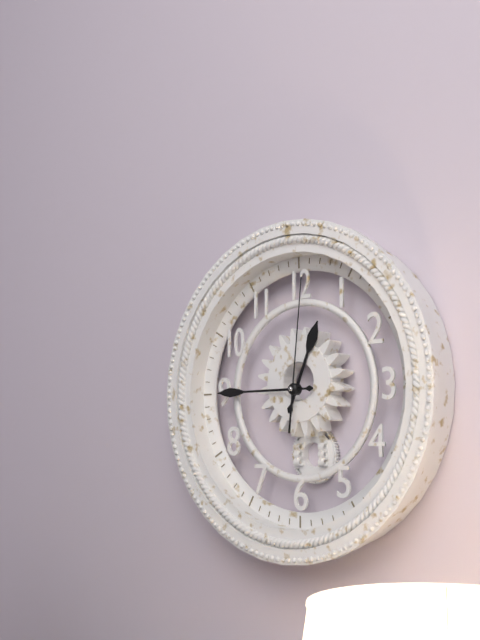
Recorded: 12 h 45 min 01 s
